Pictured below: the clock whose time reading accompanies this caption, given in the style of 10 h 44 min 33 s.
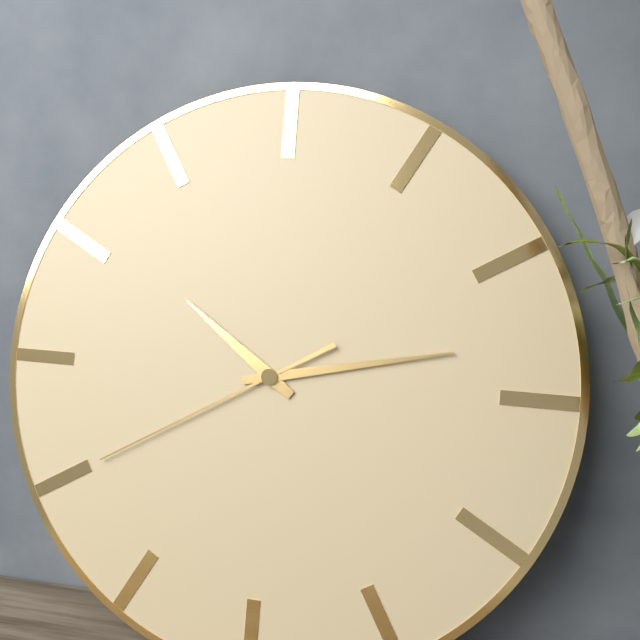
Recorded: 10 h 13 min 40 s
